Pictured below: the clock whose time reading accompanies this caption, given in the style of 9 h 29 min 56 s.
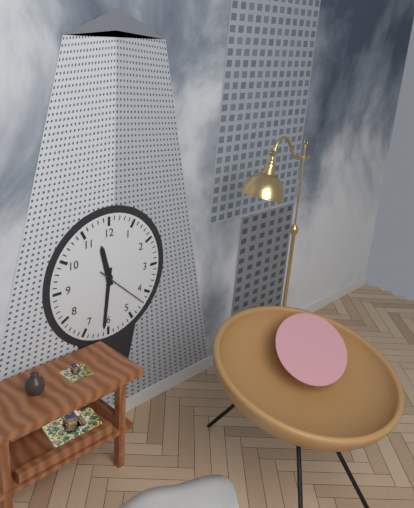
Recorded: 11 h 31 min 22 s
